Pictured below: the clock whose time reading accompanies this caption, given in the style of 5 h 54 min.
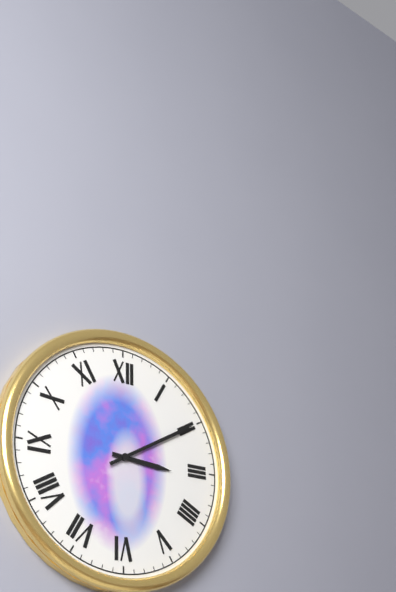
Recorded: 3 h 10 min
